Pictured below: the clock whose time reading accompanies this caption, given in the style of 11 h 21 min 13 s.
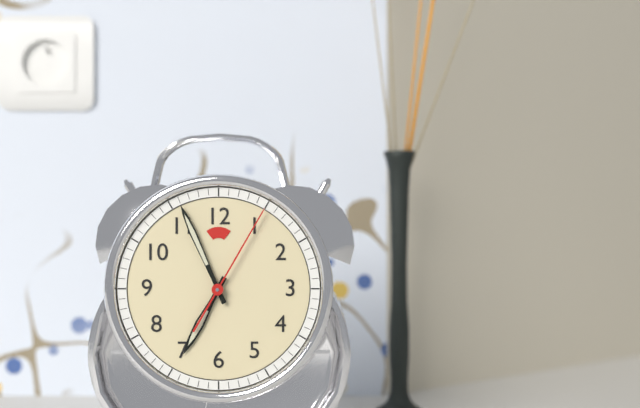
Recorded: 6 h 56 min 05 s
